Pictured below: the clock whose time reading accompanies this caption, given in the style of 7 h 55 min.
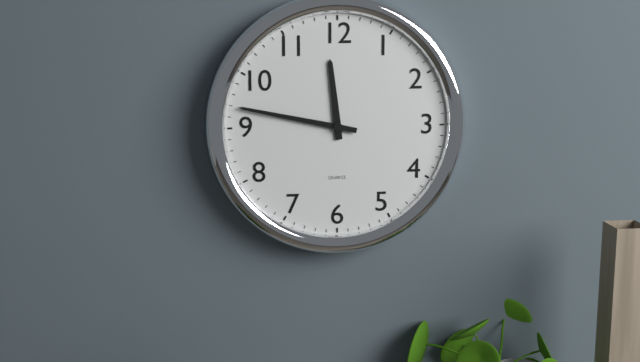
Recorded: 11 h 47 min
